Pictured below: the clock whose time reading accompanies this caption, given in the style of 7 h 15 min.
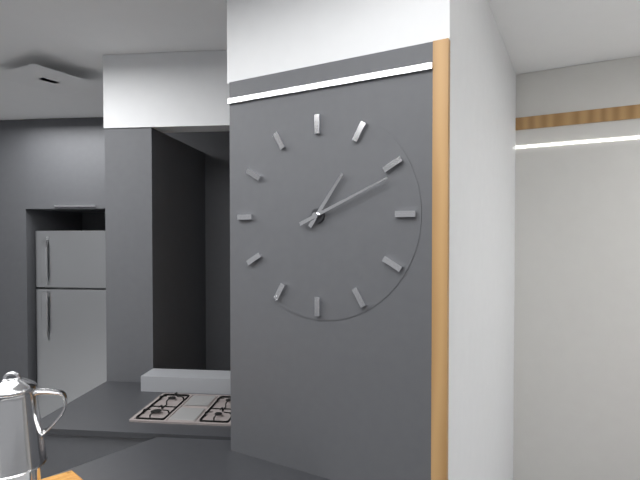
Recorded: 1 h 11 min
